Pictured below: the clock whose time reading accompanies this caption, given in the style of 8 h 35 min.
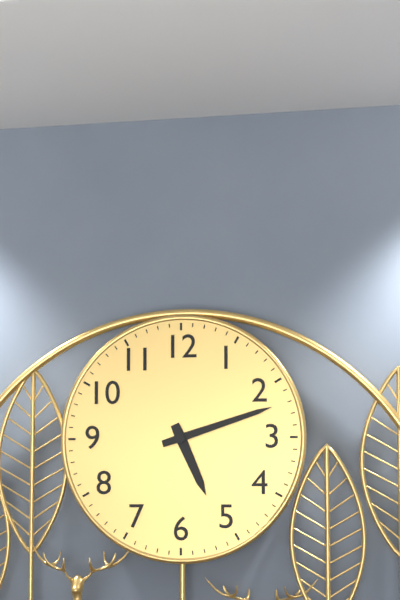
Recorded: 5 h 12 min
